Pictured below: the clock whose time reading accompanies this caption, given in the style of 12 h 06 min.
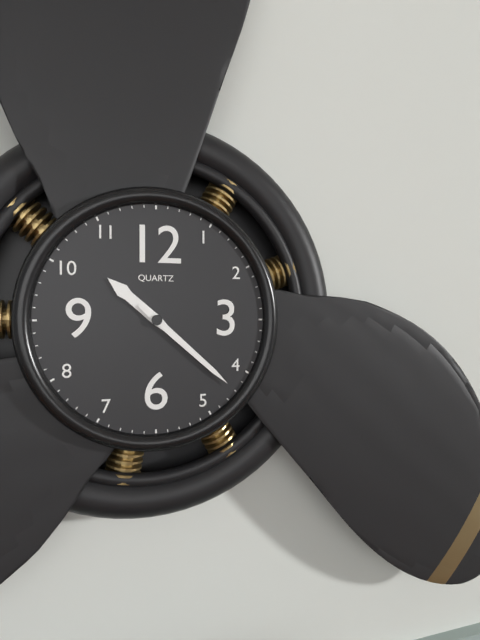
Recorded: 10 h 22 min
